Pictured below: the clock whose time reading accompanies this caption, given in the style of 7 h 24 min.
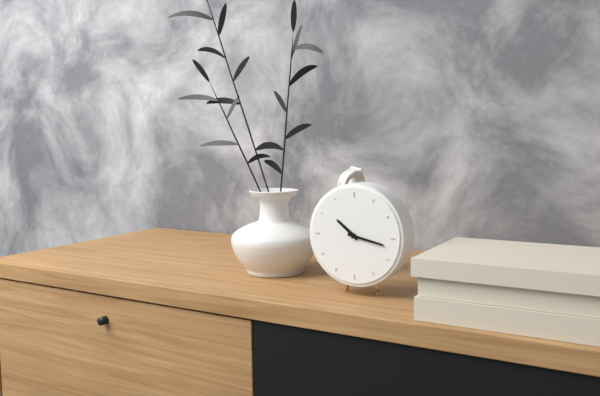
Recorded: 10 h 17 min
